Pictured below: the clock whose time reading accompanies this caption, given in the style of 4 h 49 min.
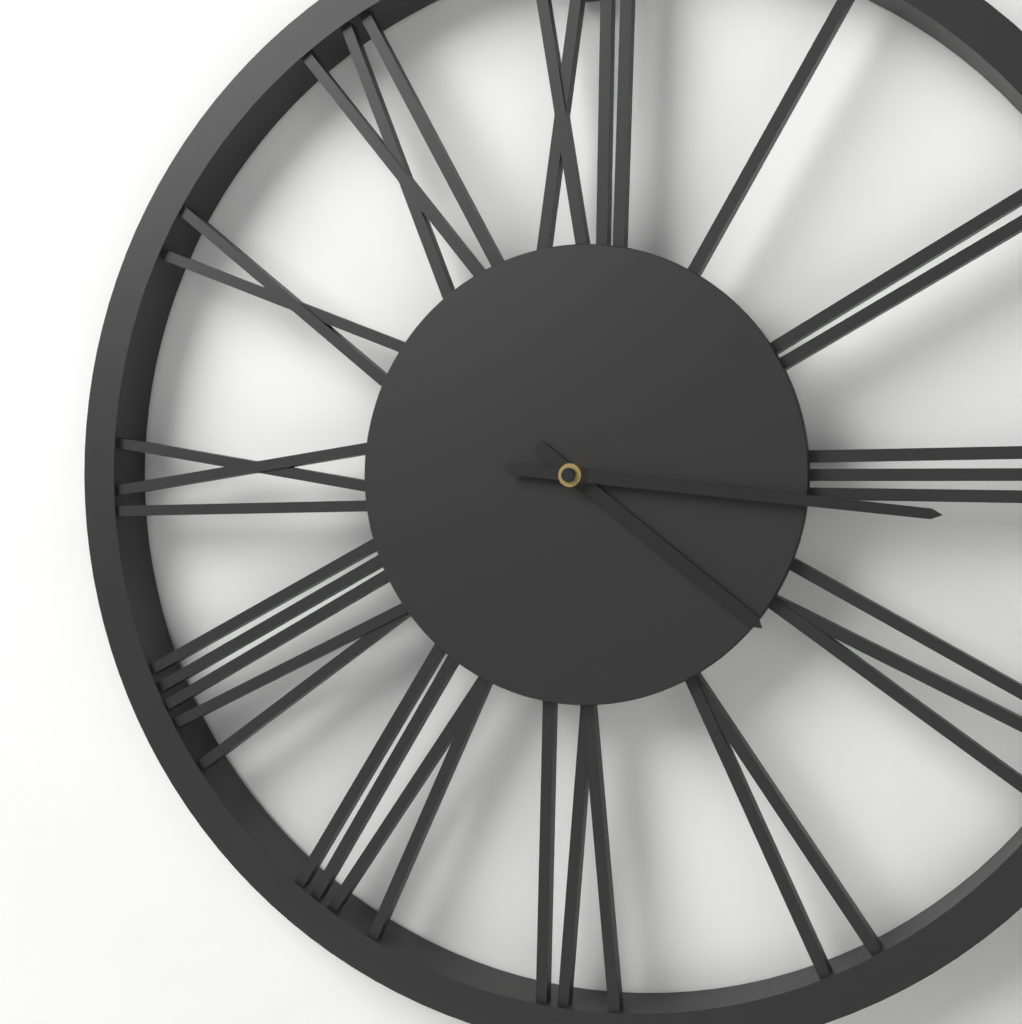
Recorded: 4 h 16 min
